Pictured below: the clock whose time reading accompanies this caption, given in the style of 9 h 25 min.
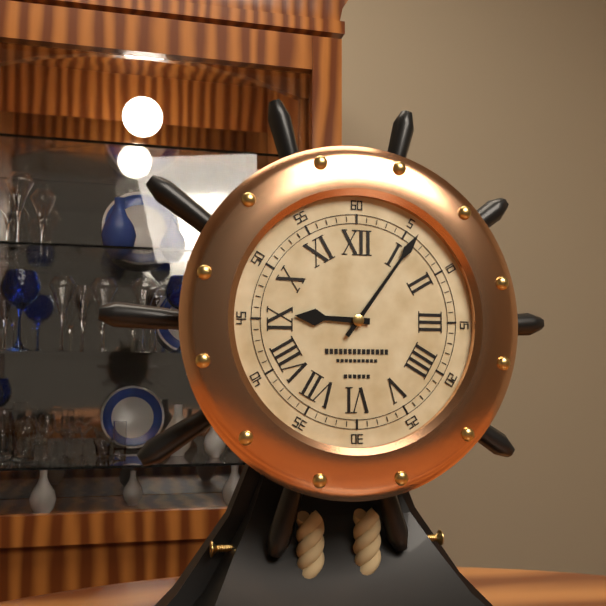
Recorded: 9 h 06 min
